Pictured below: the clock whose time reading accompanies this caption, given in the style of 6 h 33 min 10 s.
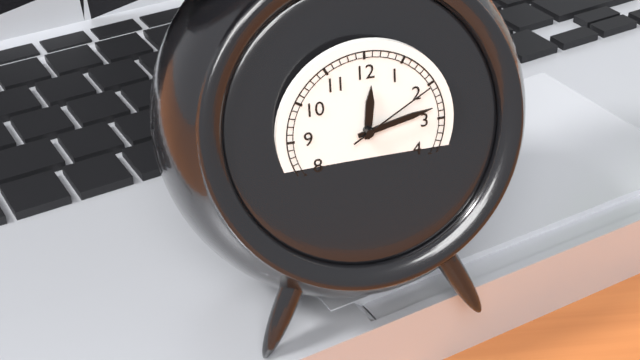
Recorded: 12 h 13 min 10 s
